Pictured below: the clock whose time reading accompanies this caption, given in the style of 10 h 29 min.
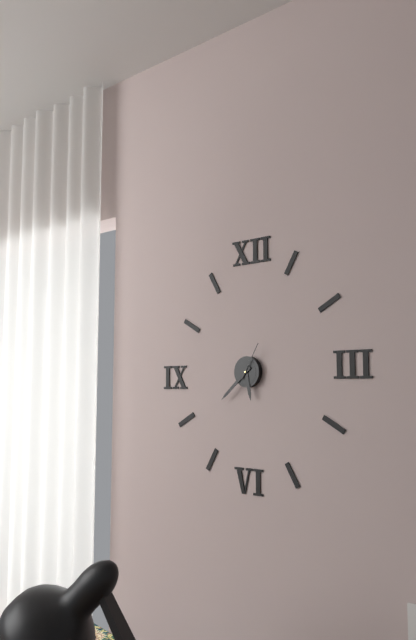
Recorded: 5 h 38 min
